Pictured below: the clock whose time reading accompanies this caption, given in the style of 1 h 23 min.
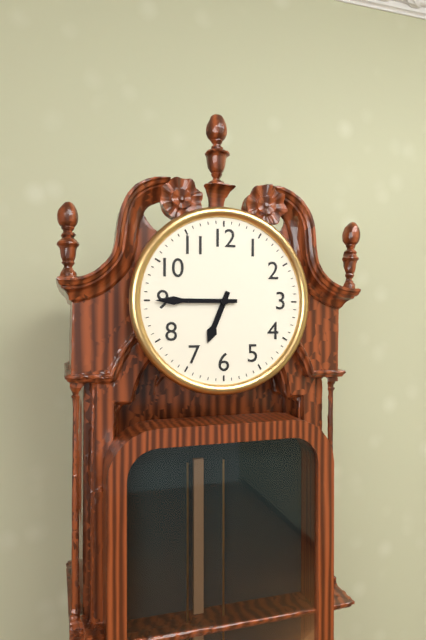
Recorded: 6 h 45 min
